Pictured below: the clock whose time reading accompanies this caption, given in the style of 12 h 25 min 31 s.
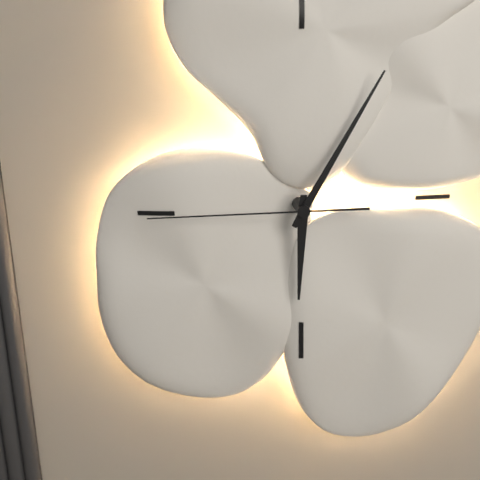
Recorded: 6 h 05 min 45 s
